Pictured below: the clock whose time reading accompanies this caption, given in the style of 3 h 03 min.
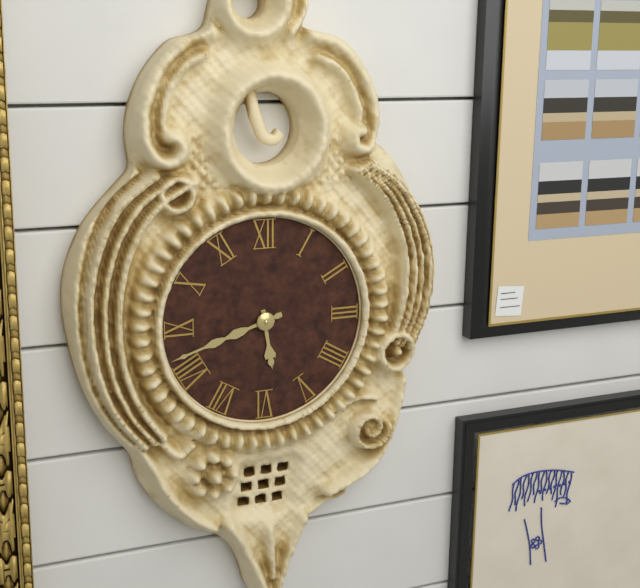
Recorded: 5 h 42 min
